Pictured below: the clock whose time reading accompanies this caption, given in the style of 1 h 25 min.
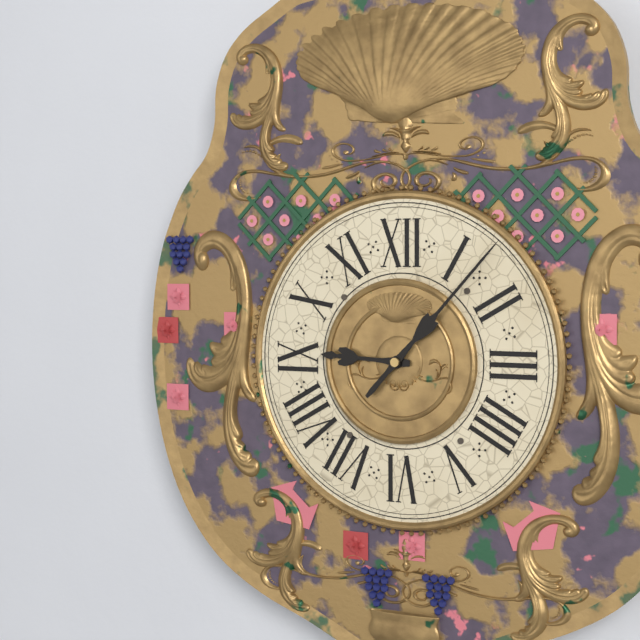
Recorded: 9 h 07 min
